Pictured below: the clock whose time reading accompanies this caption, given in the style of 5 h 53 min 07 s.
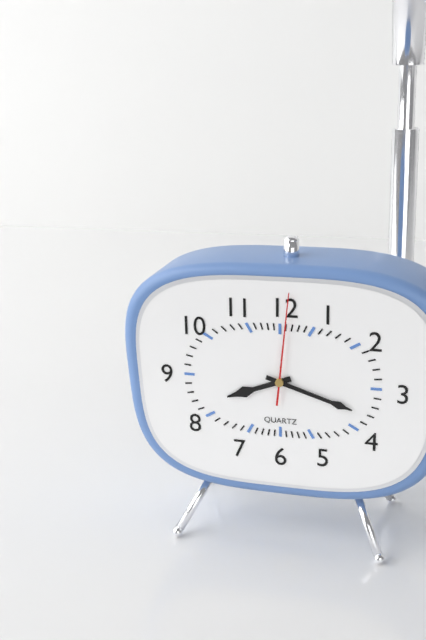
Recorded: 8 h 18 min 01 s
